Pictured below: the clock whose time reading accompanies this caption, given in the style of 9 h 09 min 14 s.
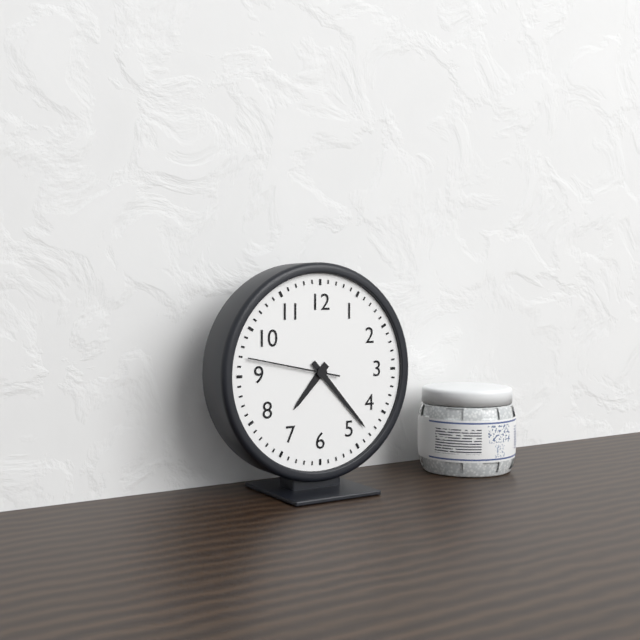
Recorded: 7 h 23 min 47 s
